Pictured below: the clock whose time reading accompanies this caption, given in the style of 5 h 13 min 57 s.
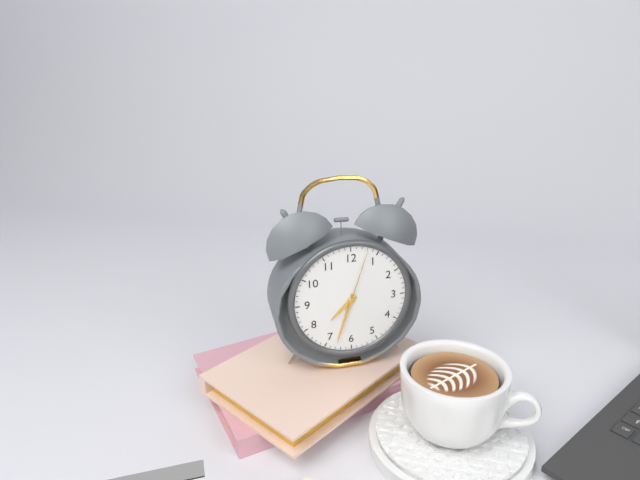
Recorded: 7 h 33 min 03 s
